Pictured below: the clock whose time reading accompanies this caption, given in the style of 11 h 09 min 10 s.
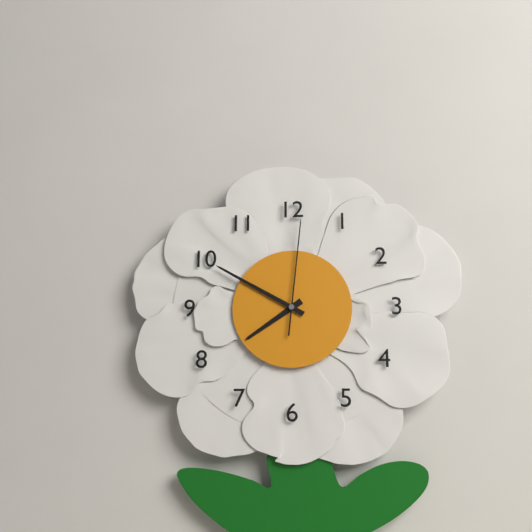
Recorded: 7 h 50 min 01 s
